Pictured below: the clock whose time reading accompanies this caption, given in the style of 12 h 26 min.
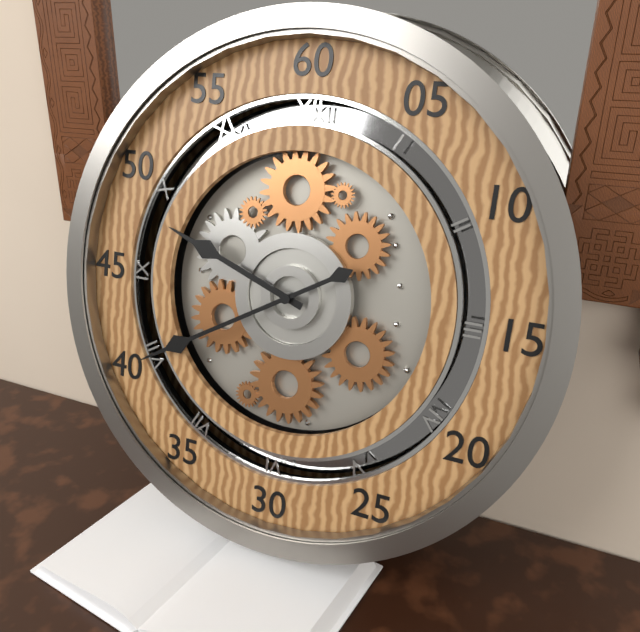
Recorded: 9 h 40 min
